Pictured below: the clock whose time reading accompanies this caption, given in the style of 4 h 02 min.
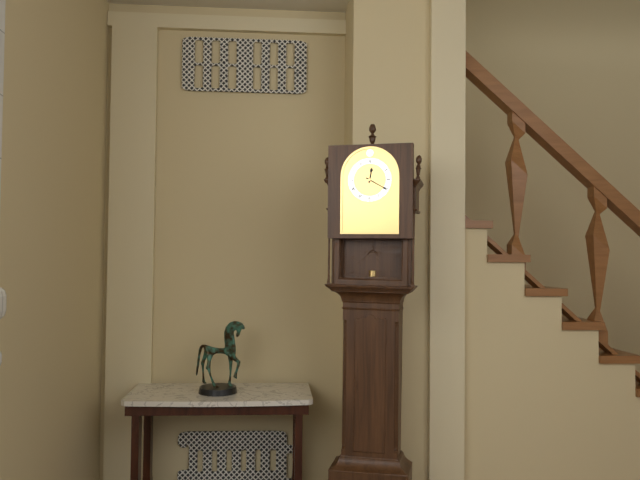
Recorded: 12 h 20 min
